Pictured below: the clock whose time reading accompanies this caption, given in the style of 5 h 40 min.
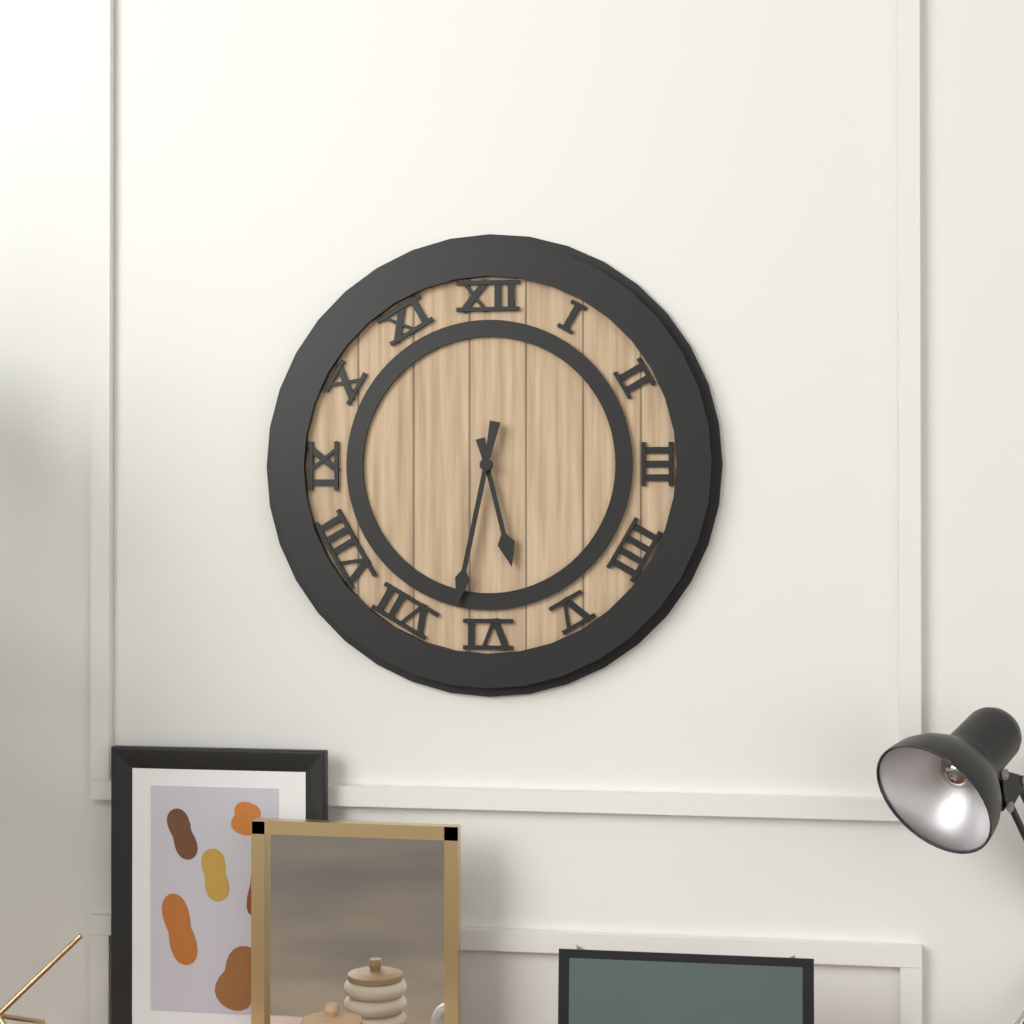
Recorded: 5 h 32 min
